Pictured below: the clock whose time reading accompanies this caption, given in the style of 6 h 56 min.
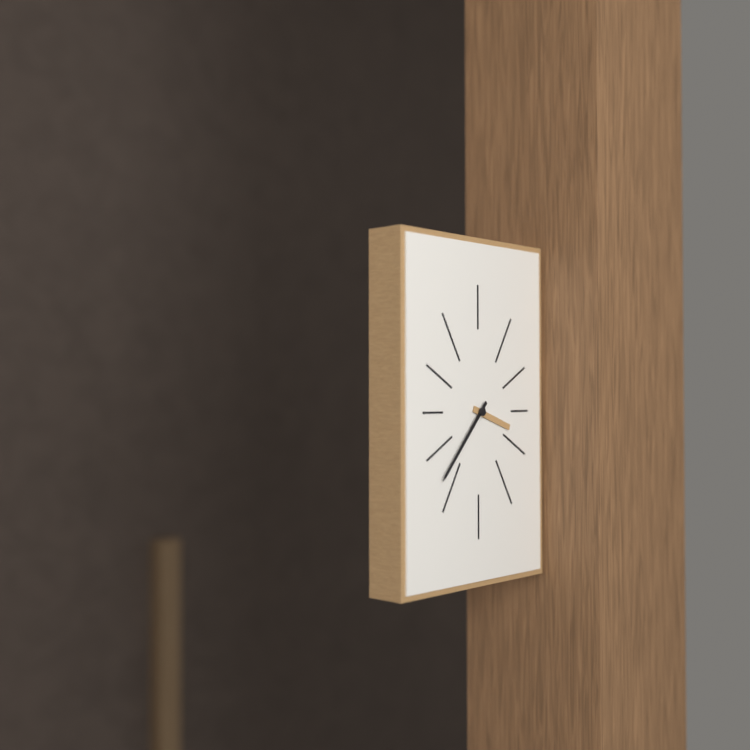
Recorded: 3 h 37 min
